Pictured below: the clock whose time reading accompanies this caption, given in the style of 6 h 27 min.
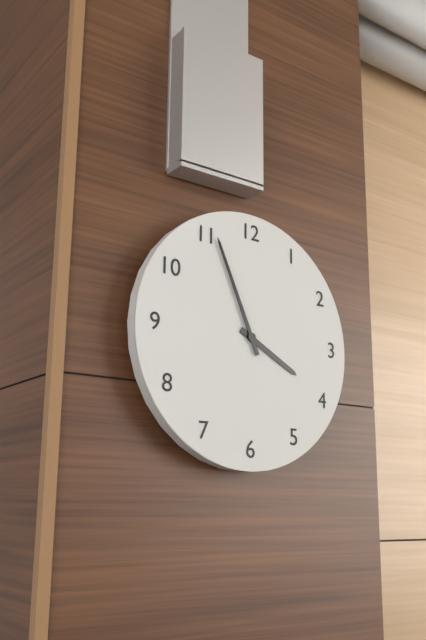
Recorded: 3 h 56 min
